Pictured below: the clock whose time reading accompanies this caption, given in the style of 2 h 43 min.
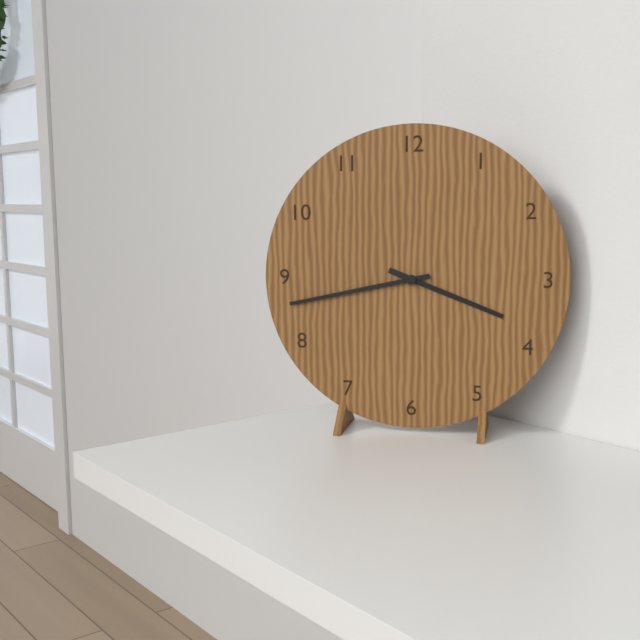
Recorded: 3 h 43 min
